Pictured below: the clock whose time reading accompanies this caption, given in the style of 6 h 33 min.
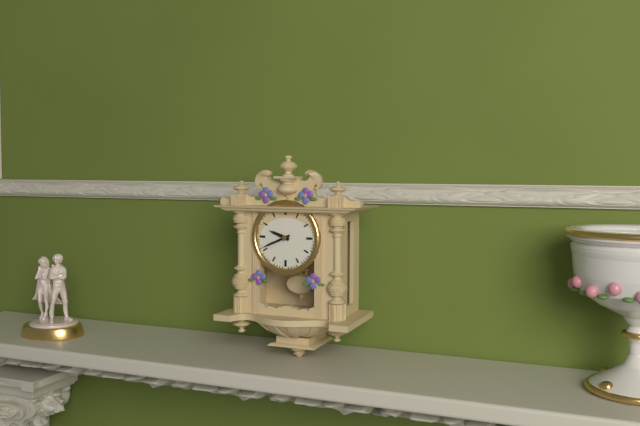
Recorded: 9 h 41 min
